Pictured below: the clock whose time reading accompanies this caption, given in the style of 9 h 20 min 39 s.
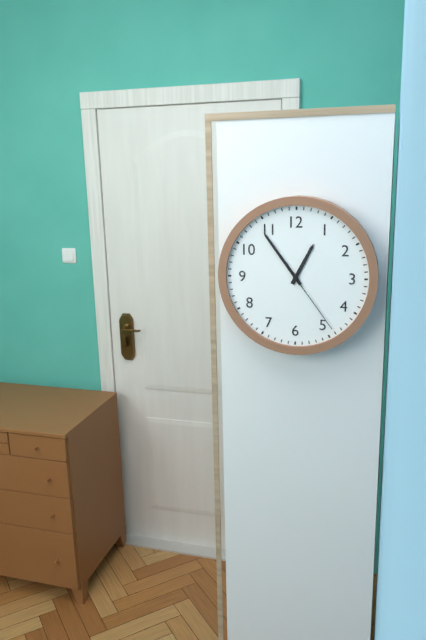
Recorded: 12 h 54 min 24 s
